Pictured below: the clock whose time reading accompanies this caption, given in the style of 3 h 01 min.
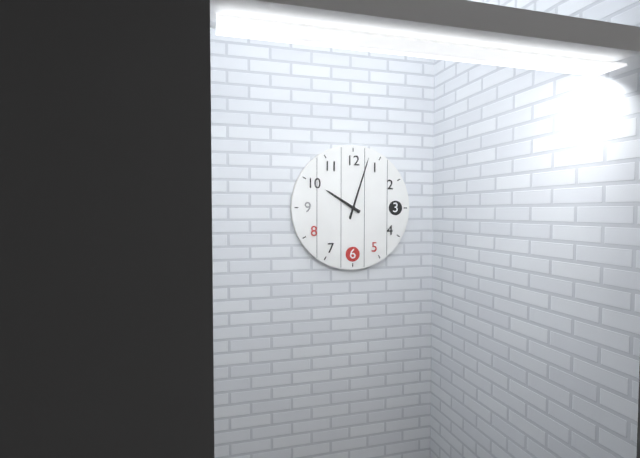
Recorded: 10 h 03 min
